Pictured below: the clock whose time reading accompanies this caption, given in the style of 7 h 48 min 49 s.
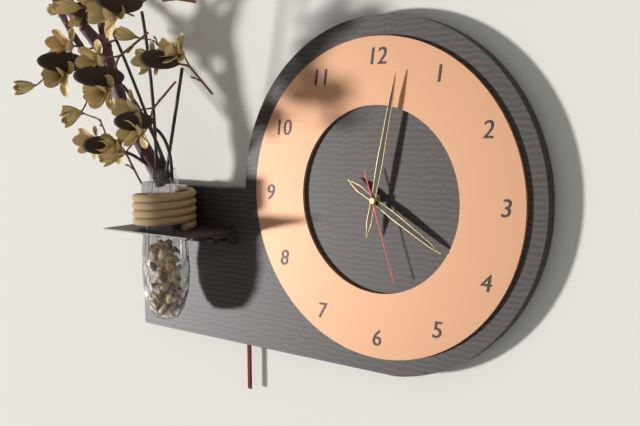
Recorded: 4 h 02 min 27 s
